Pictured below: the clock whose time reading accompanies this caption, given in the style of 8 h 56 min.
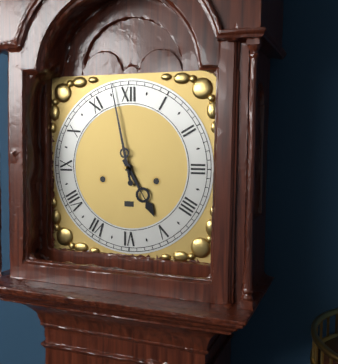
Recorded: 4 h 58 min
